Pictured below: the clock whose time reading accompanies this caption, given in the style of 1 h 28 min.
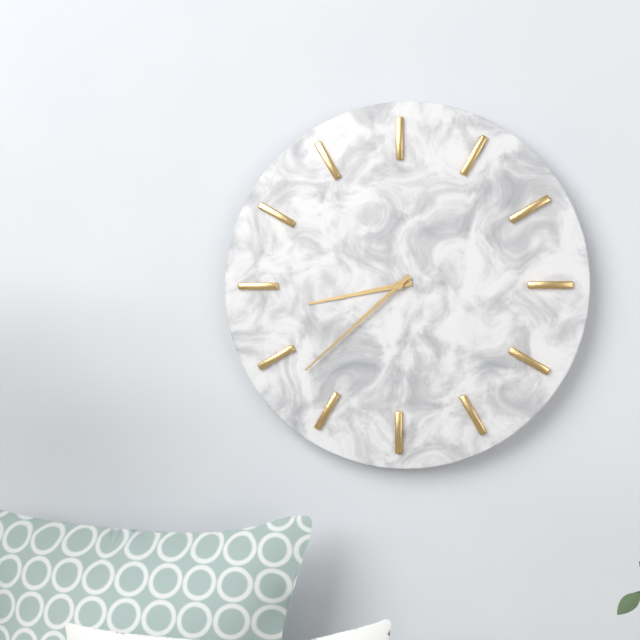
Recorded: 8 h 38 min
